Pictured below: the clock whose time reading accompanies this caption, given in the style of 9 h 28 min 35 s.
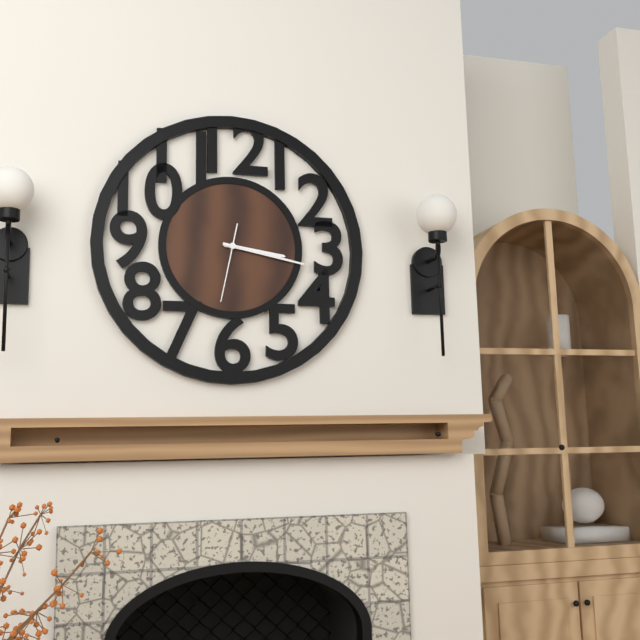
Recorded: 3 h 17 min 32 s
